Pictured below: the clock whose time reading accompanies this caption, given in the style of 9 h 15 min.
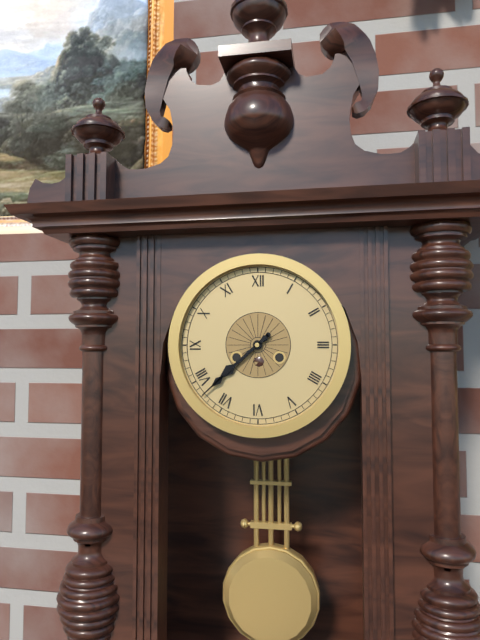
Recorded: 7 h 38 min
